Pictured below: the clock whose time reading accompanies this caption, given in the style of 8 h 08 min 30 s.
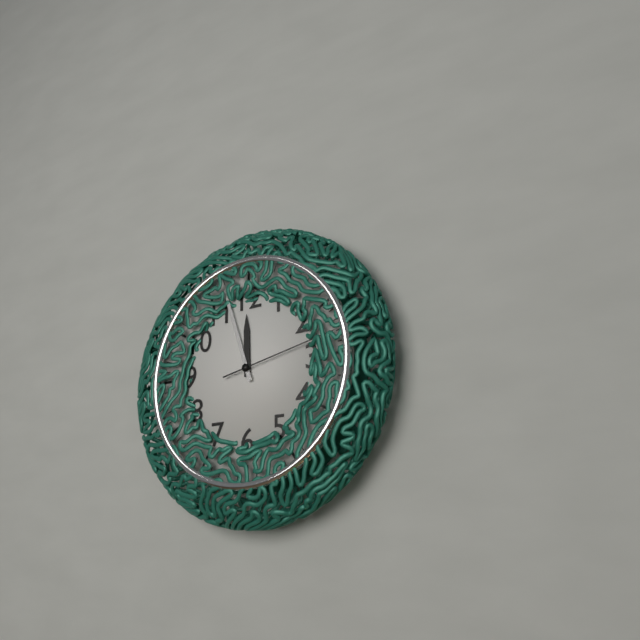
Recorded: 11 h 57 min 13 s
